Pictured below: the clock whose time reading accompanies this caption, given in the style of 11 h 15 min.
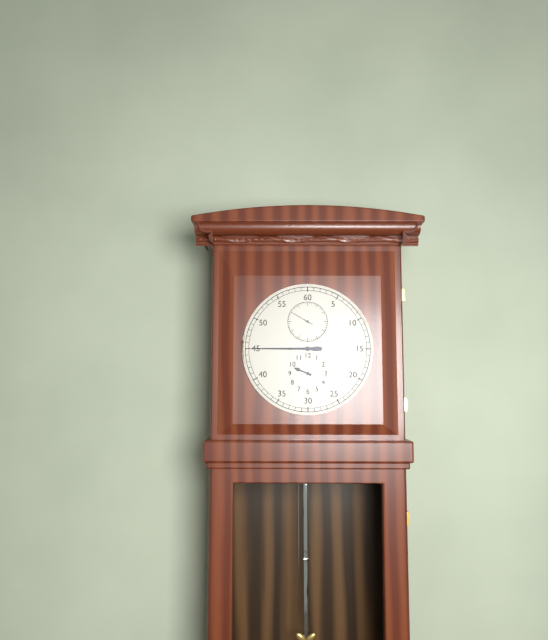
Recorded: 9 h 45 min
